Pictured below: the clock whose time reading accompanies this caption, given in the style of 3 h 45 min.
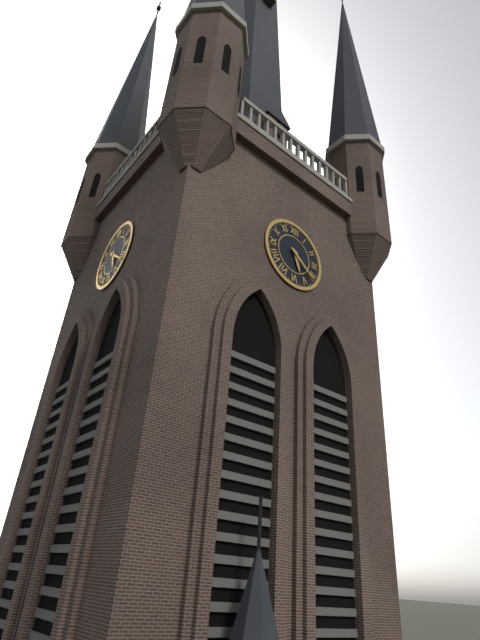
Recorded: 5 h 21 min
